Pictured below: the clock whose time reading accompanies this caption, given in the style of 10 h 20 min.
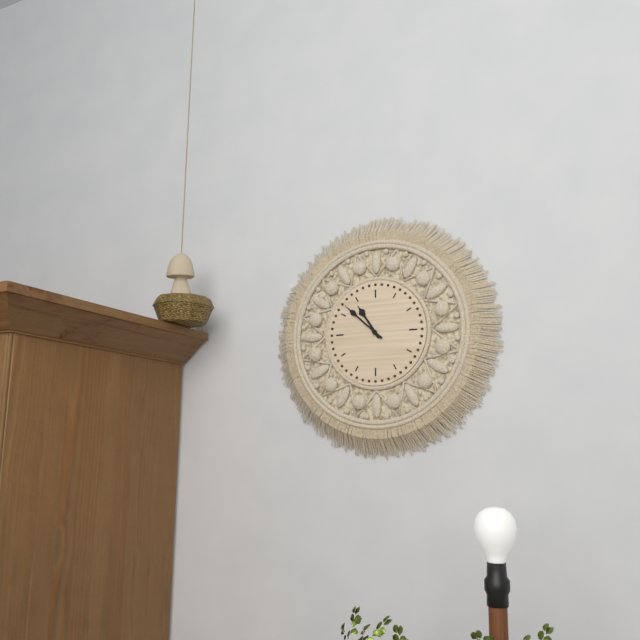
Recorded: 10 h 52 min
